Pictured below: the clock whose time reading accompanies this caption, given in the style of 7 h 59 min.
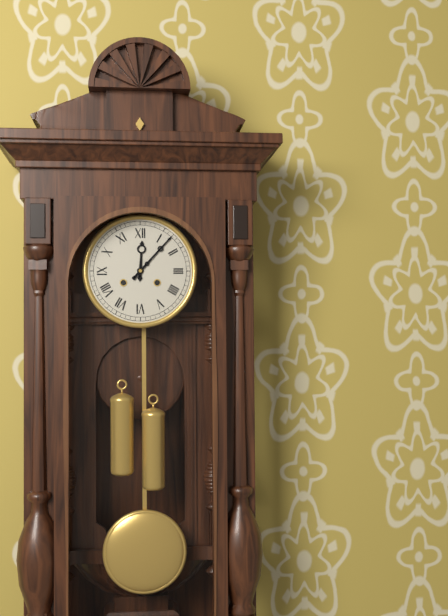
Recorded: 12 h 07 min
